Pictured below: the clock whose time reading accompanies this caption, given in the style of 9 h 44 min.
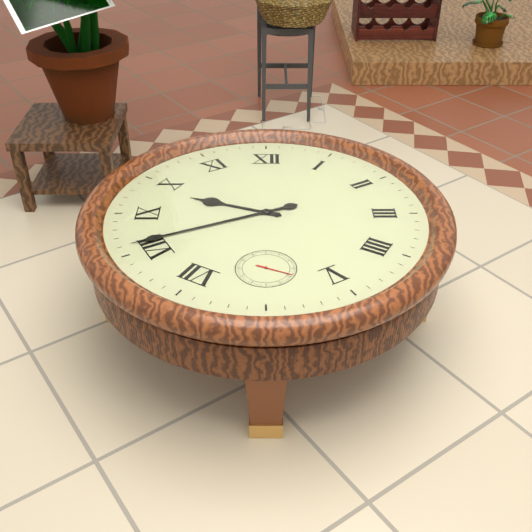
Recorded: 9 h 41 min
